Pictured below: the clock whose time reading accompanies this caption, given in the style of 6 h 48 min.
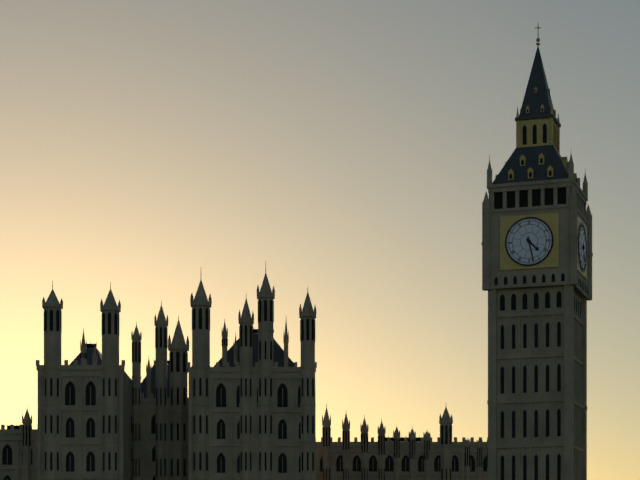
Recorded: 4 h 28 min
